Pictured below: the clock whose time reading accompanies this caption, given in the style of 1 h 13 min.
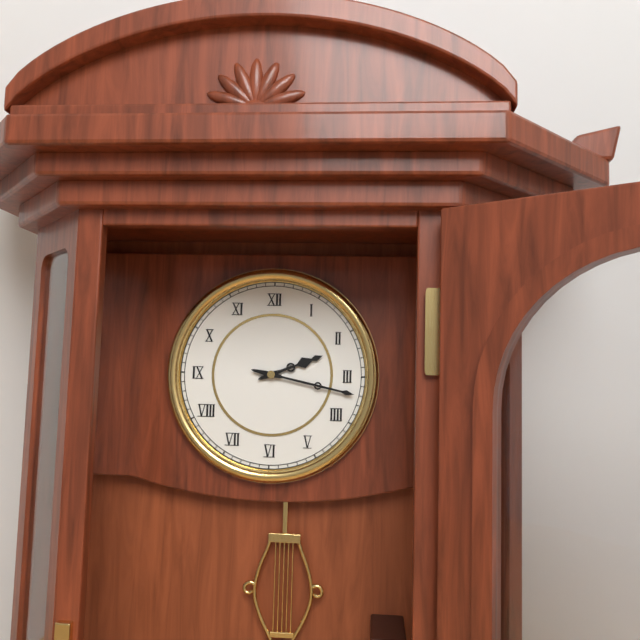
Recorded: 2 h 17 min
